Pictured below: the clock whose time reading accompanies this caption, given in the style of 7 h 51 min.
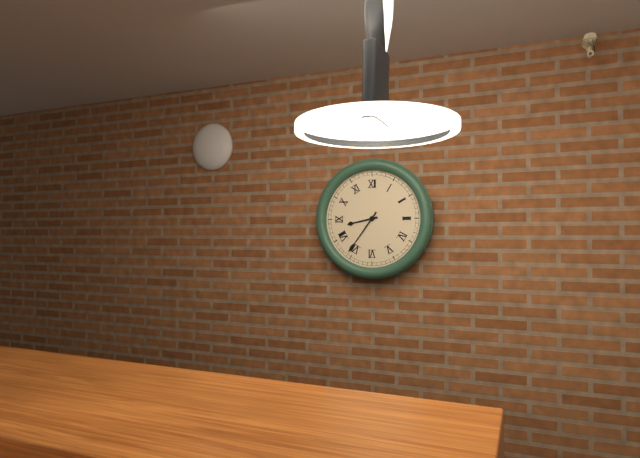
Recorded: 8 h 36 min
